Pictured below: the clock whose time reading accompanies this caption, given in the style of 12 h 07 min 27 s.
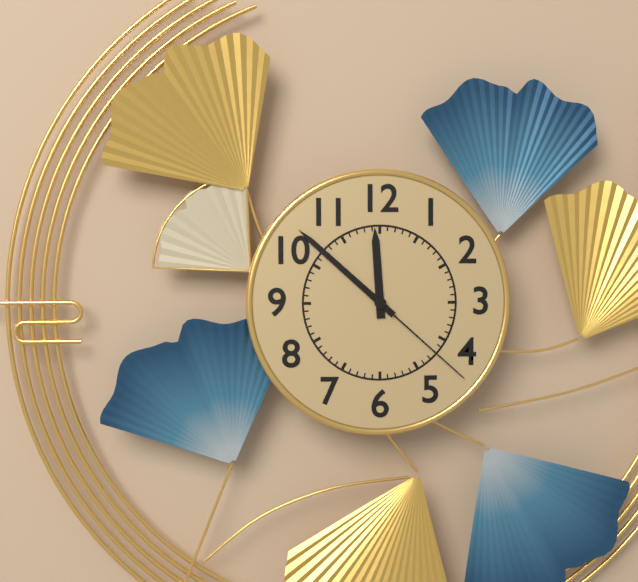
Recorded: 11 h 52 min 22 s
